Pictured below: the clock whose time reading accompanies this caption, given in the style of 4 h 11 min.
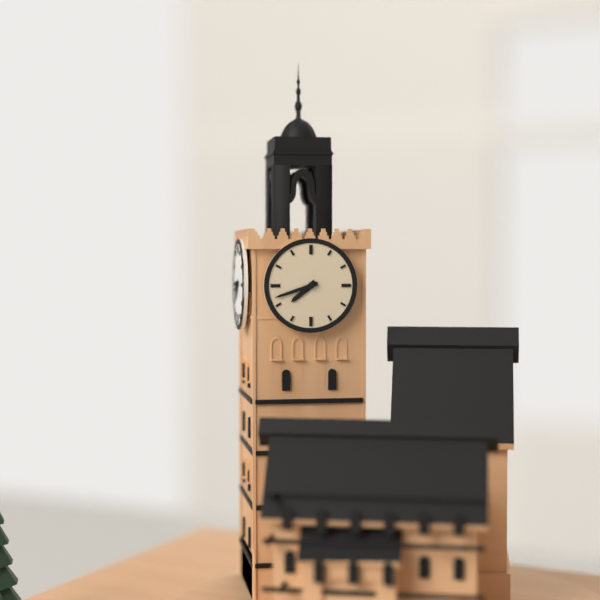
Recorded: 7 h 42 min
